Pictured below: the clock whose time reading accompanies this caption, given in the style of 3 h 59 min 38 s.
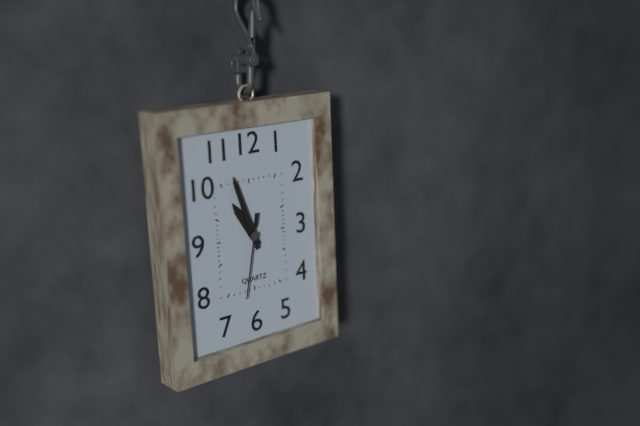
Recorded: 10 h 57 min 32 s
